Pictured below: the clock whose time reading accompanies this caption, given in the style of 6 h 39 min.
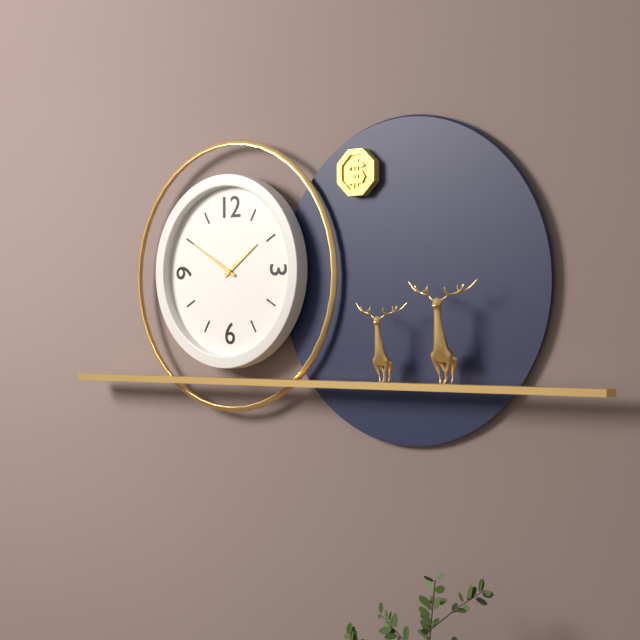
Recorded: 1 h 50 min
